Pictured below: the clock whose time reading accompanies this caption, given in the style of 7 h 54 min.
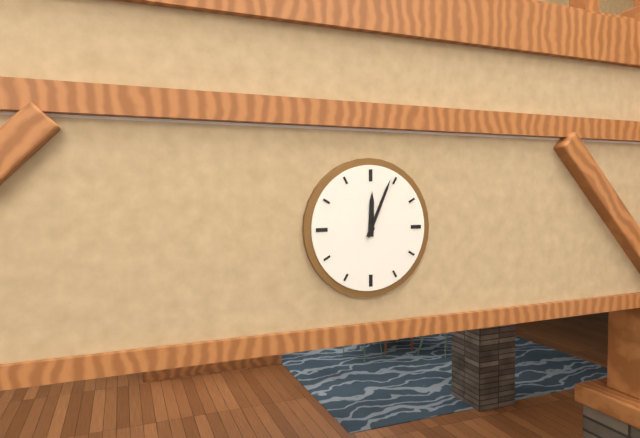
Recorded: 12 h 04 min
